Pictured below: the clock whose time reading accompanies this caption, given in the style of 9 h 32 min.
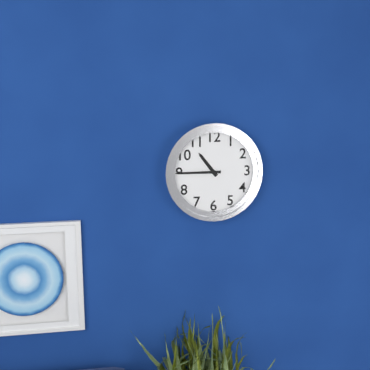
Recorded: 10 h 45 min
